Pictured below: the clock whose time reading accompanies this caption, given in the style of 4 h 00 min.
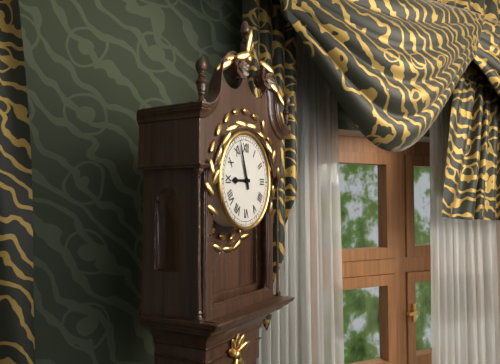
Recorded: 8 h 57 min
